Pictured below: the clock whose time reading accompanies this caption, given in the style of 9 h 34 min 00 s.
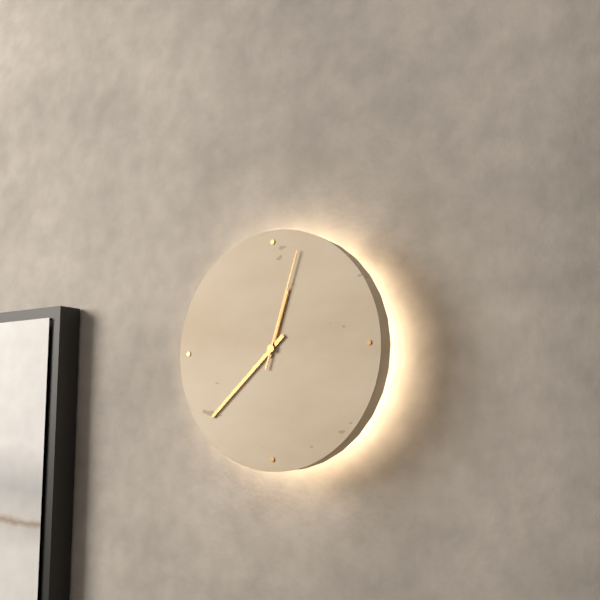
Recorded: 12 h 38 min 03 s
